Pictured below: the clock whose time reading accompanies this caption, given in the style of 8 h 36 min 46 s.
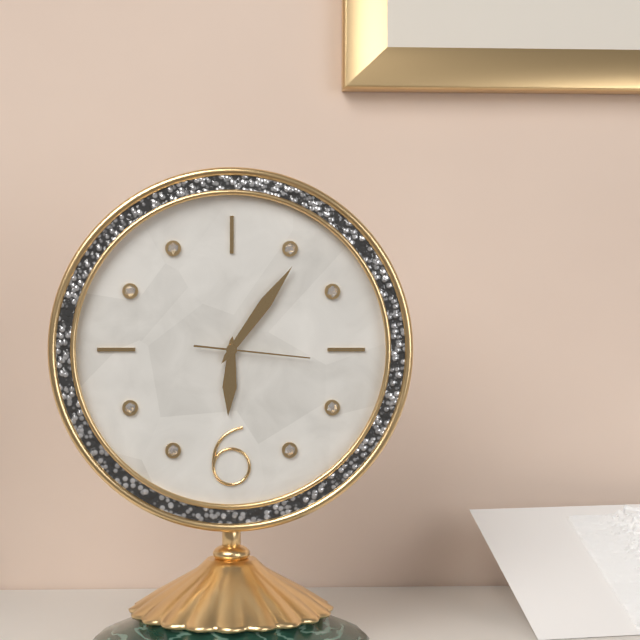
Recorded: 6 h 06 min 16 s
